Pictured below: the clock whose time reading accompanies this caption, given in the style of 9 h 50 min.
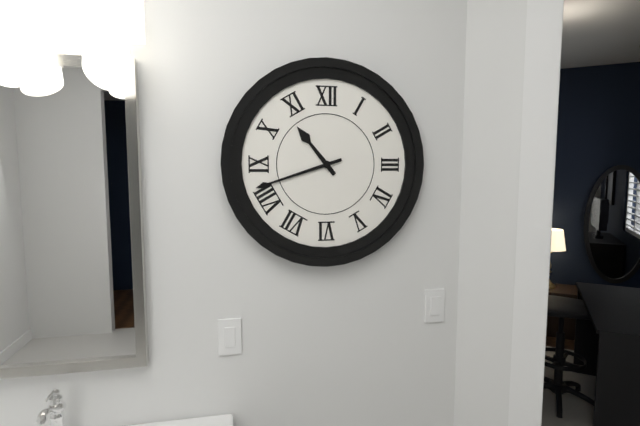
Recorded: 10 h 42 min
